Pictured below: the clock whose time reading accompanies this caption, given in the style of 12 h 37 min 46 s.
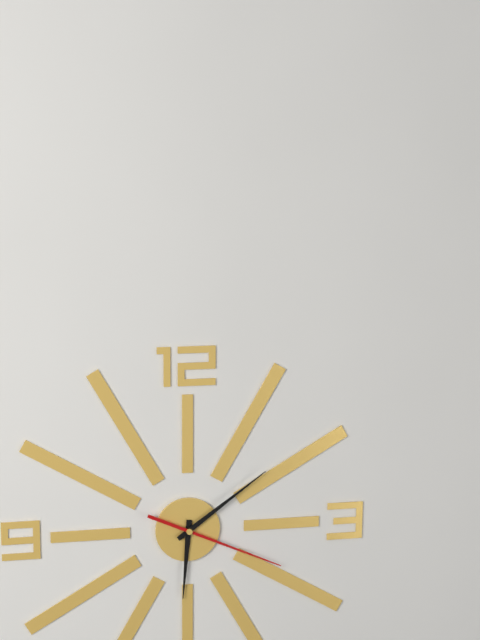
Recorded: 6 h 09 min 19 s
